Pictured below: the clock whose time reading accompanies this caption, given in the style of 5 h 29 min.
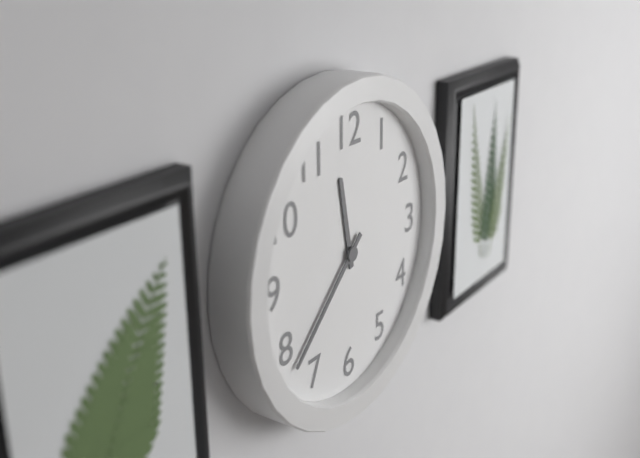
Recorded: 11 h 38 min
